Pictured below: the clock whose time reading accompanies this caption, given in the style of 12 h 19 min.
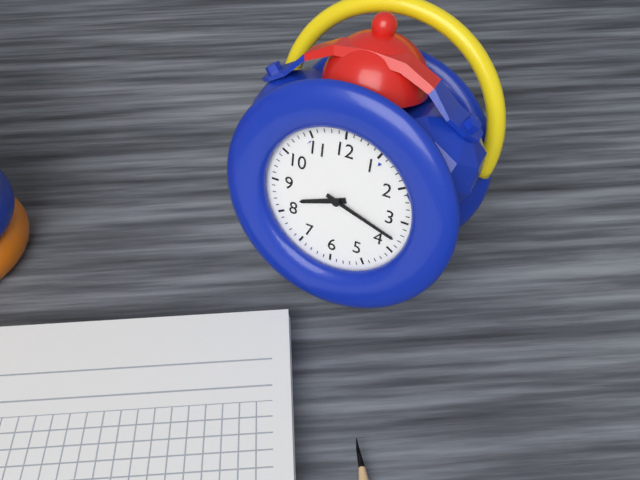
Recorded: 8 h 18 min
